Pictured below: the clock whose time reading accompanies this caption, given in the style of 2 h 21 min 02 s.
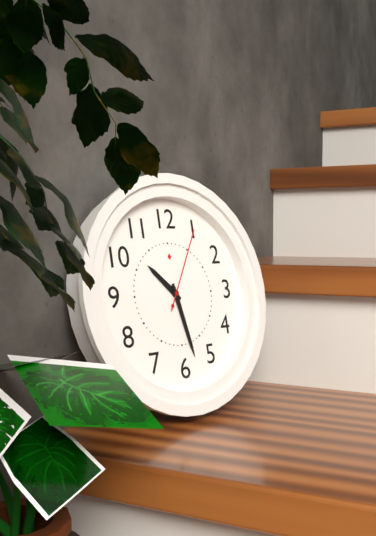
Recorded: 10 h 28 min 05 s
